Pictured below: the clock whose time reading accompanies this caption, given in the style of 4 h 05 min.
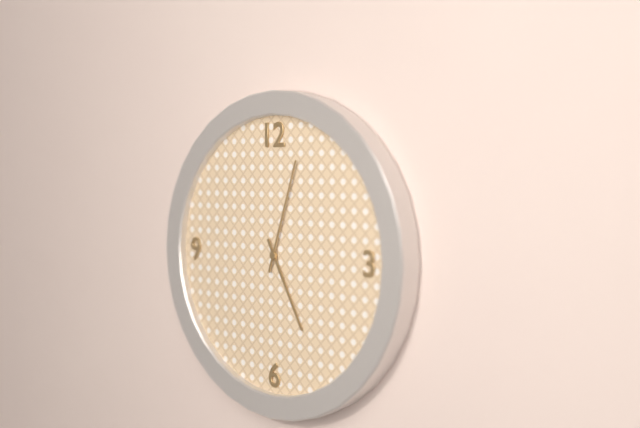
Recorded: 5 h 03 min
